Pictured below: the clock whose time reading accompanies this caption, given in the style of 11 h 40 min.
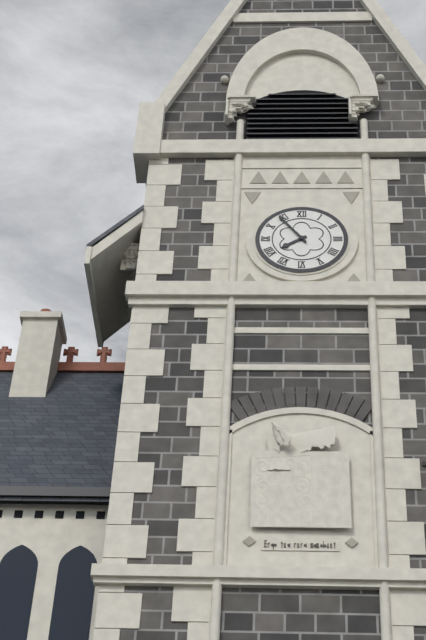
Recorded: 7 h 54 min
